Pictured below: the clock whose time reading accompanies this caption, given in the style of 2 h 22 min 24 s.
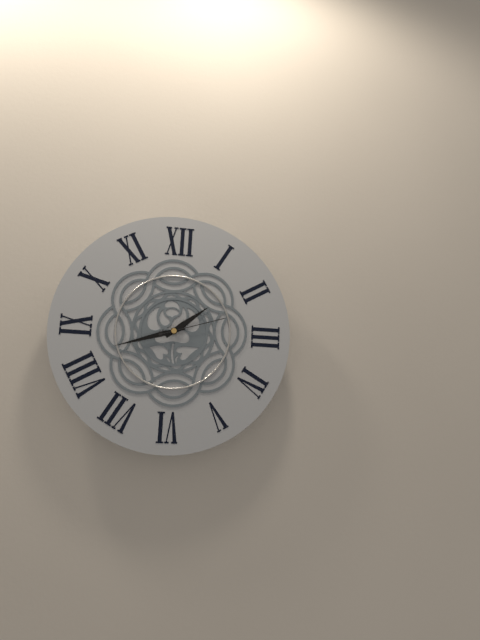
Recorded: 1 h 42 min 12 s
